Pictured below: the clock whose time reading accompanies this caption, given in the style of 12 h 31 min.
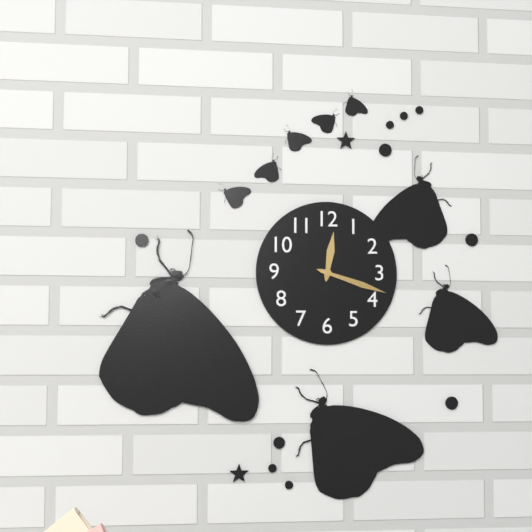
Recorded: 12 h 18 min
